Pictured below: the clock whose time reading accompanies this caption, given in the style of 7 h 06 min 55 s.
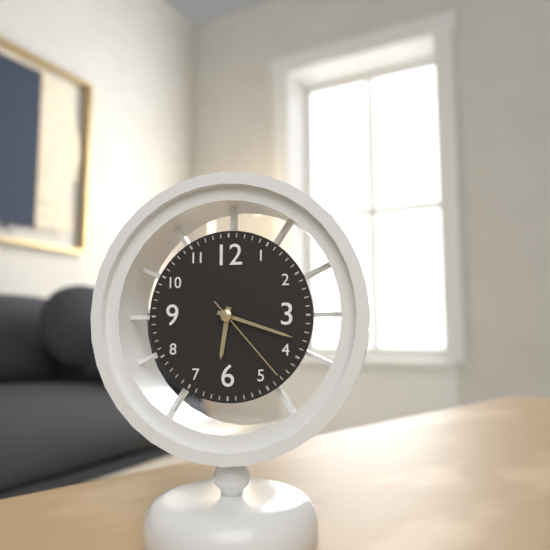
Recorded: 6 h 18 min 23 s
